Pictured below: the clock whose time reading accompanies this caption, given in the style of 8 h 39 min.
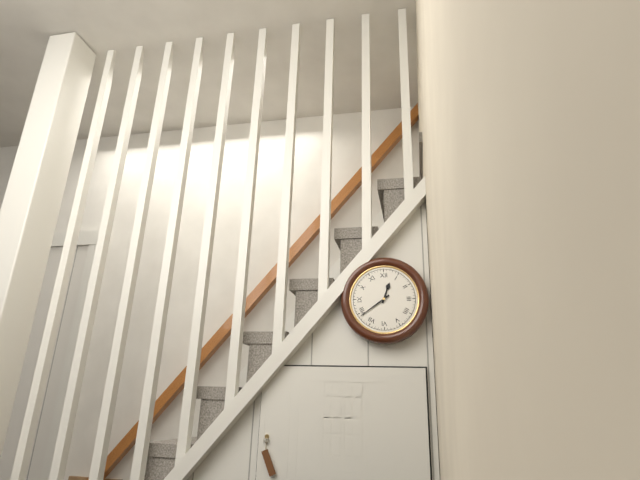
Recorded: 12 h 39 min
